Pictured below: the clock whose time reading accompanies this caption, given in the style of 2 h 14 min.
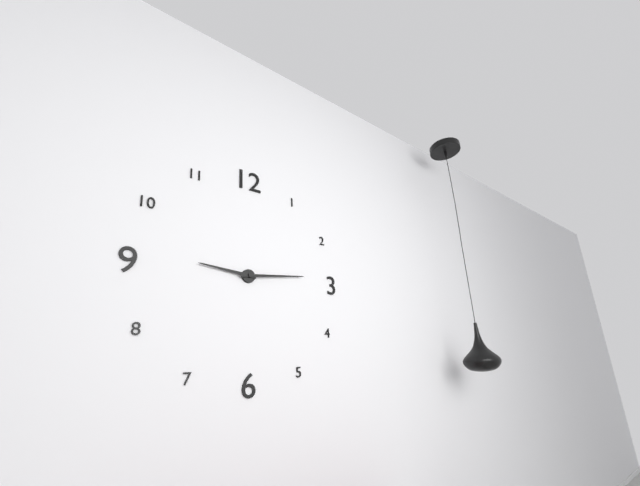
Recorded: 9 h 14 min
